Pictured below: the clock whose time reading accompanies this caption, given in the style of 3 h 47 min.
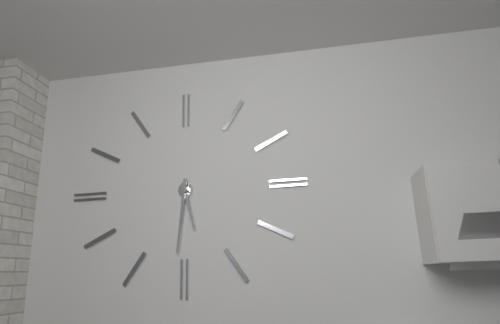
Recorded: 5 h 31 min
